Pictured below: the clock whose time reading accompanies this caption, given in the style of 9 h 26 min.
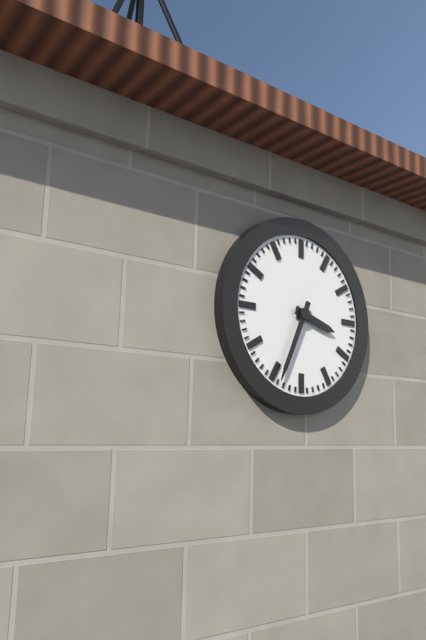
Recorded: 3 h 34 min
